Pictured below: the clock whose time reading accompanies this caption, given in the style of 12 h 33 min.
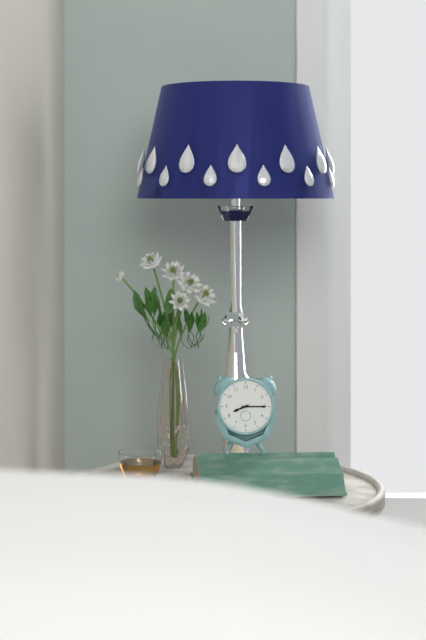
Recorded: 8 h 15 min
